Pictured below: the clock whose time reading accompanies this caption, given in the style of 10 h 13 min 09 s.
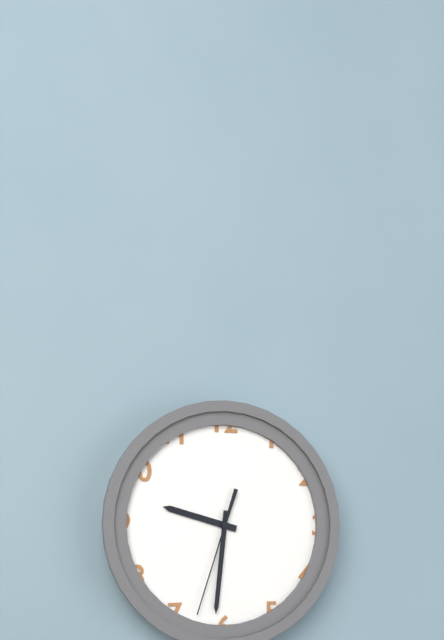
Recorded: 9 h 31 min 33 s
